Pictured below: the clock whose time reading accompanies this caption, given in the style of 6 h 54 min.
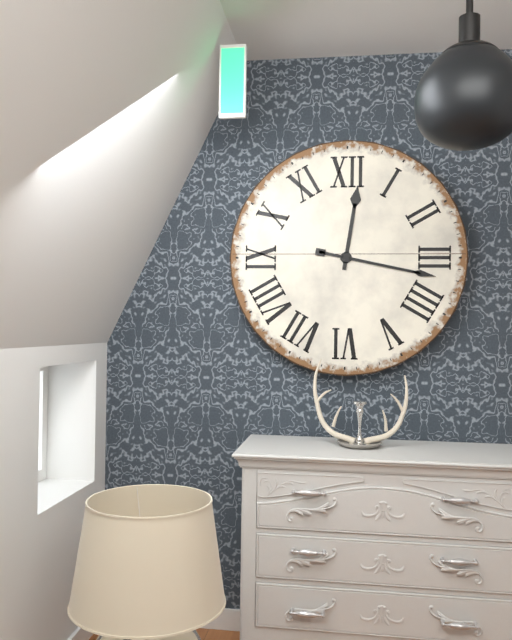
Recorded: 12 h 17 min
